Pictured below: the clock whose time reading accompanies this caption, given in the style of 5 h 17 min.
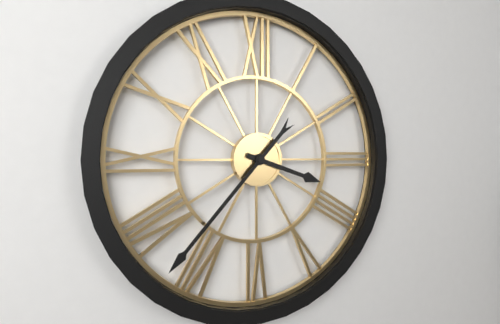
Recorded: 3 h 37 min
